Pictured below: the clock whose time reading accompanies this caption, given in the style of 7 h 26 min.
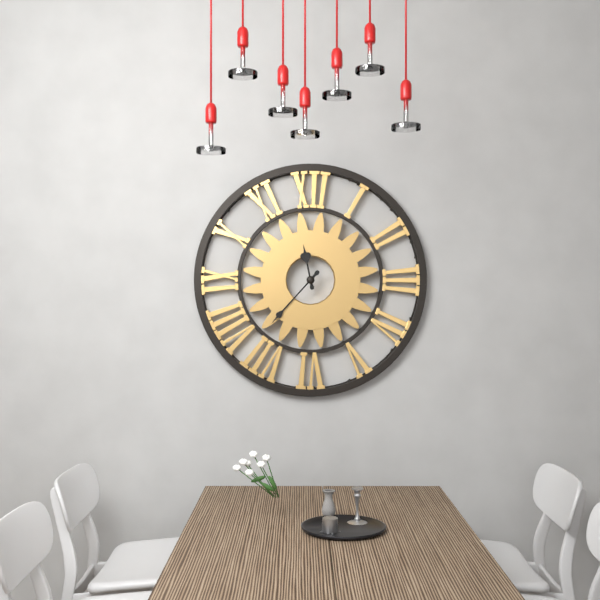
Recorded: 11 h 37 min
